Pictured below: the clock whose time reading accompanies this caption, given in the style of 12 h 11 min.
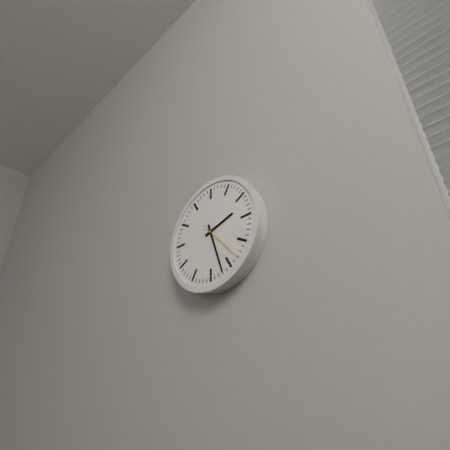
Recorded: 2 h 27 min
